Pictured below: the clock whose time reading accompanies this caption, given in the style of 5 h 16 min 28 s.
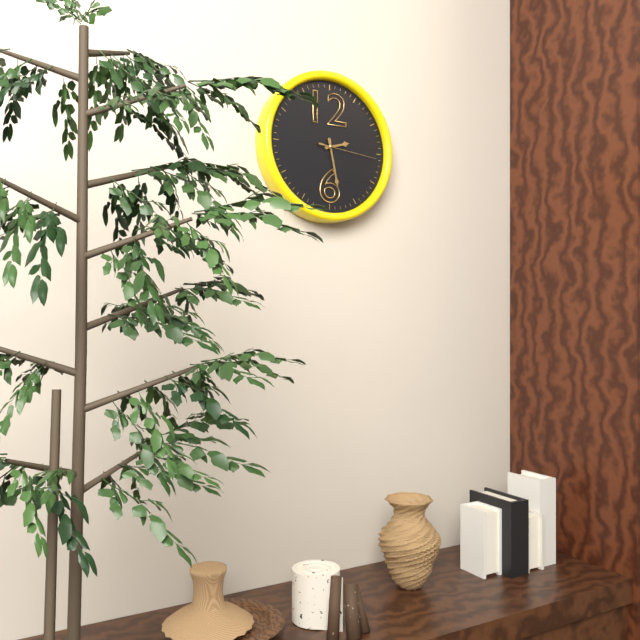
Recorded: 2 h 28 min 16 s
